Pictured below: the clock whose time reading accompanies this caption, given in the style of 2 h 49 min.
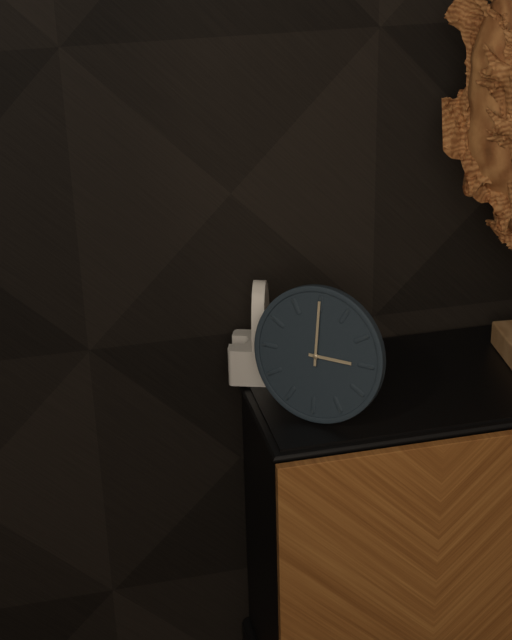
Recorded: 3 h 00 min
